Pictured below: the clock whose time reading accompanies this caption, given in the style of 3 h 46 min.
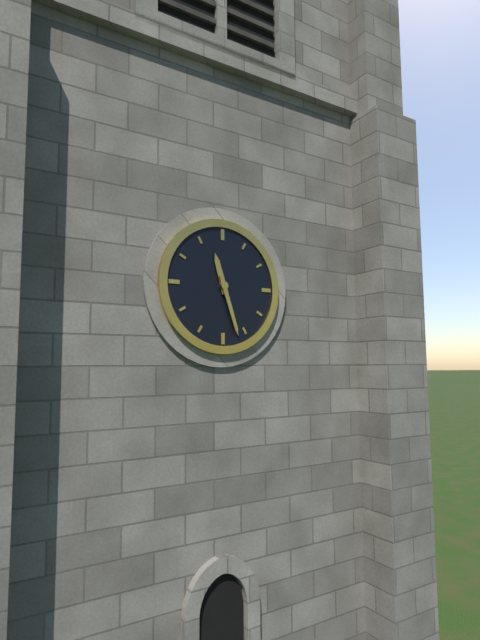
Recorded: 11 h 27 min
